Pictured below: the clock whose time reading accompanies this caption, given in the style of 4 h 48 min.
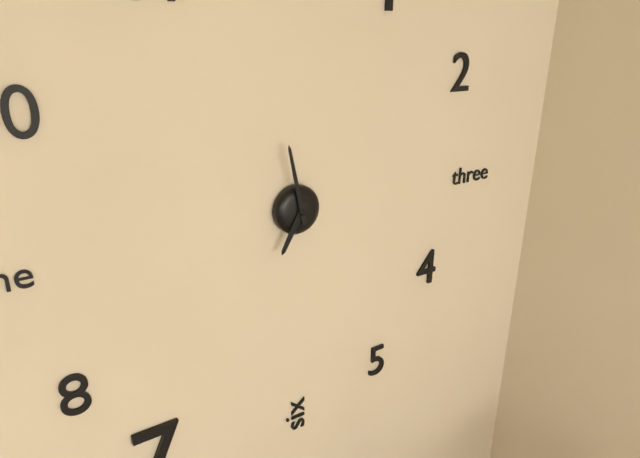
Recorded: 6 h 58 min
